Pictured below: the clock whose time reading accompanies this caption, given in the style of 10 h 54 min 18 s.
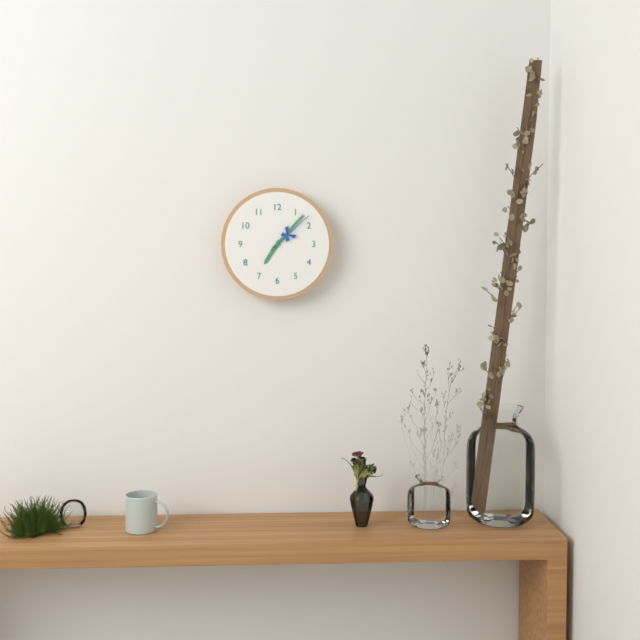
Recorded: 7 h 07 min 08 s
